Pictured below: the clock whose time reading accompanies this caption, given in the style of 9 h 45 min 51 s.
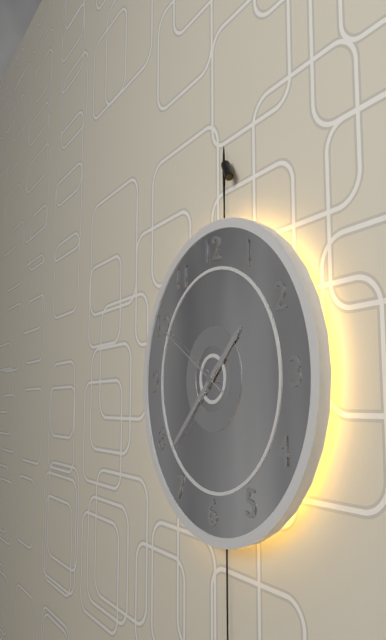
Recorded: 1 h 38 min 50 s
